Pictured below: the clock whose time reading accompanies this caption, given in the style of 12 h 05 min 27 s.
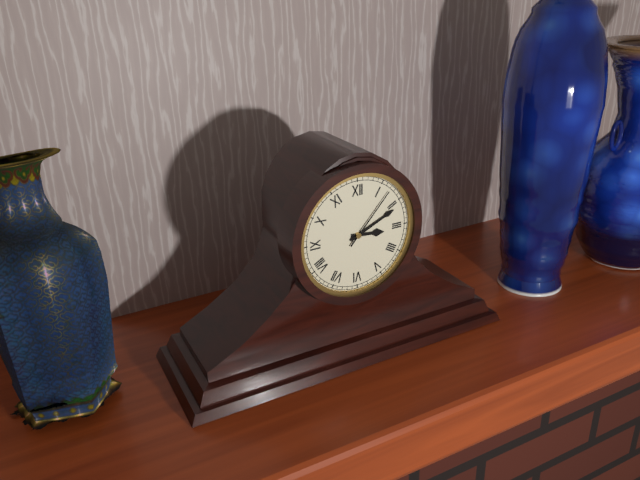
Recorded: 3 h 11 min 07 s
